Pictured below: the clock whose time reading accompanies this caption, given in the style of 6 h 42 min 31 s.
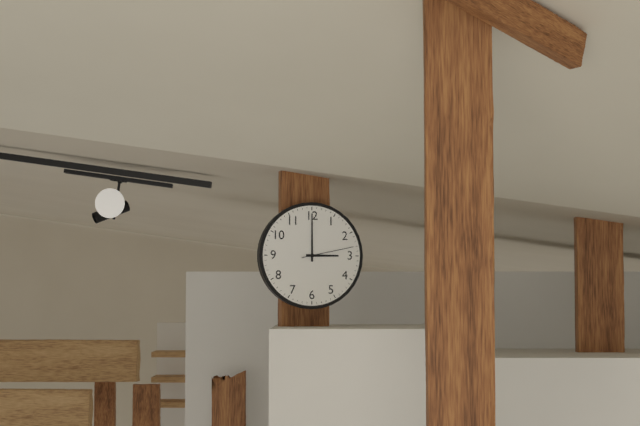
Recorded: 3 h 00 min 13 s
